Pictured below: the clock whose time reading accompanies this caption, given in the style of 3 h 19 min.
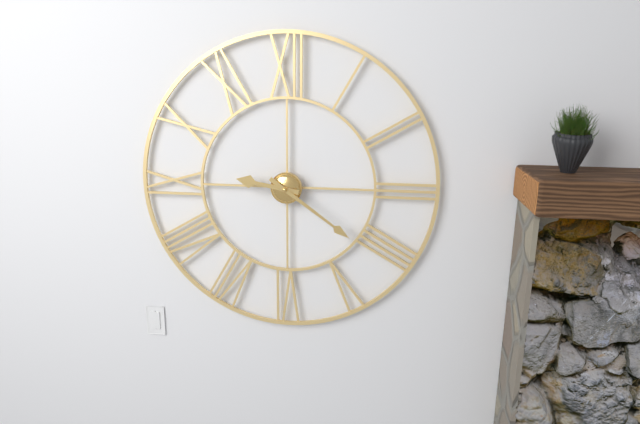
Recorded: 9 h 21 min
